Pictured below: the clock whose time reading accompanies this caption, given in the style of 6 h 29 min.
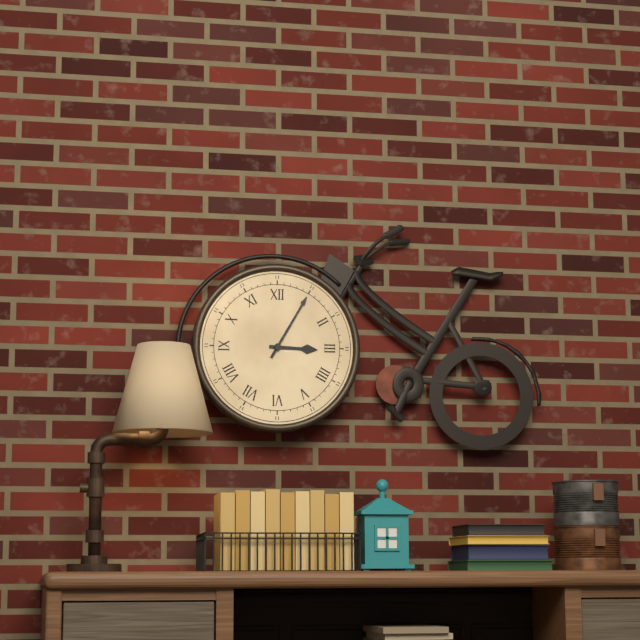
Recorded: 3 h 05 min
